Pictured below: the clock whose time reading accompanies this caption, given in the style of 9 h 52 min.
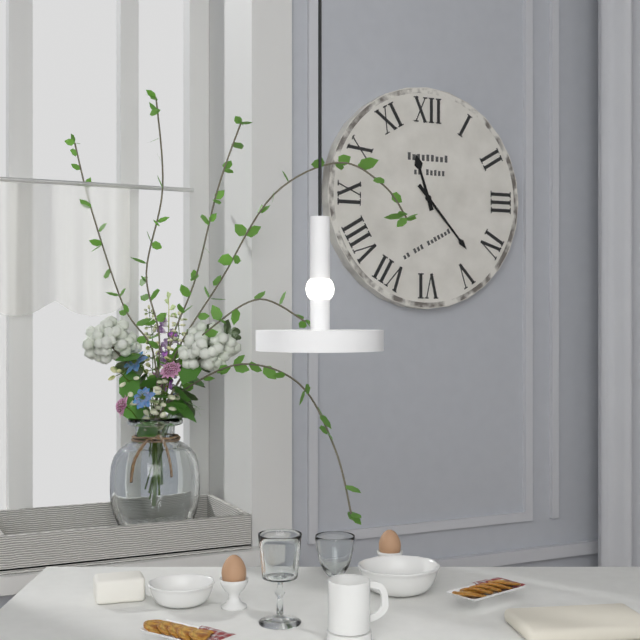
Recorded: 11 h 23 min
